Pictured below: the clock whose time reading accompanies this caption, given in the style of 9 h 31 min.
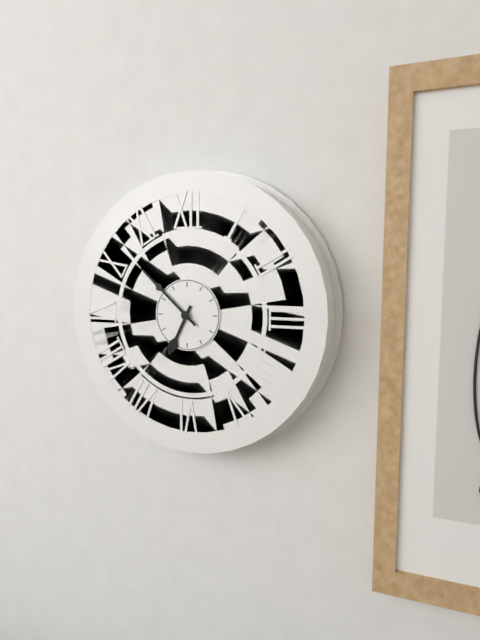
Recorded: 6 h 52 min
